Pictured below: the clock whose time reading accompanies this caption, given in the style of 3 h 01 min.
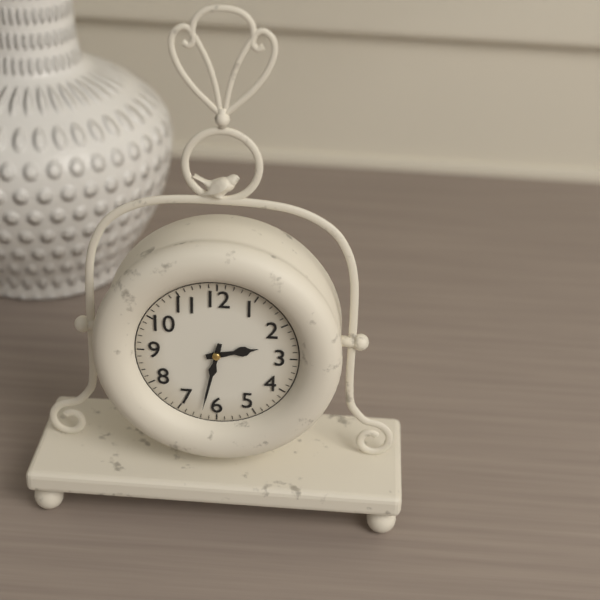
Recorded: 2 h 32 min
